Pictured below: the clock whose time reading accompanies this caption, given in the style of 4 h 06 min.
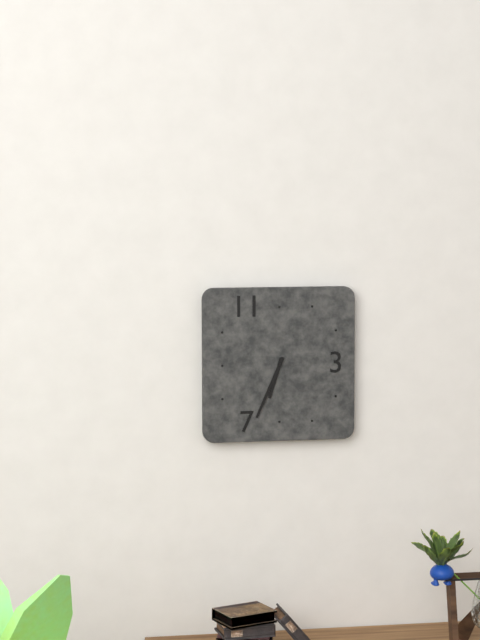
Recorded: 6 h 34 min
